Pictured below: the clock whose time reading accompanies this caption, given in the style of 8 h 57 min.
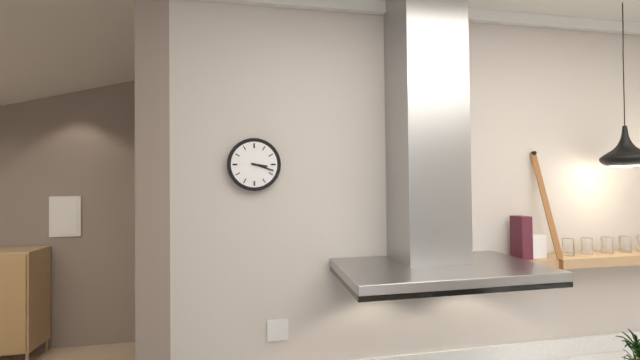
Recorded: 3 h 18 min
